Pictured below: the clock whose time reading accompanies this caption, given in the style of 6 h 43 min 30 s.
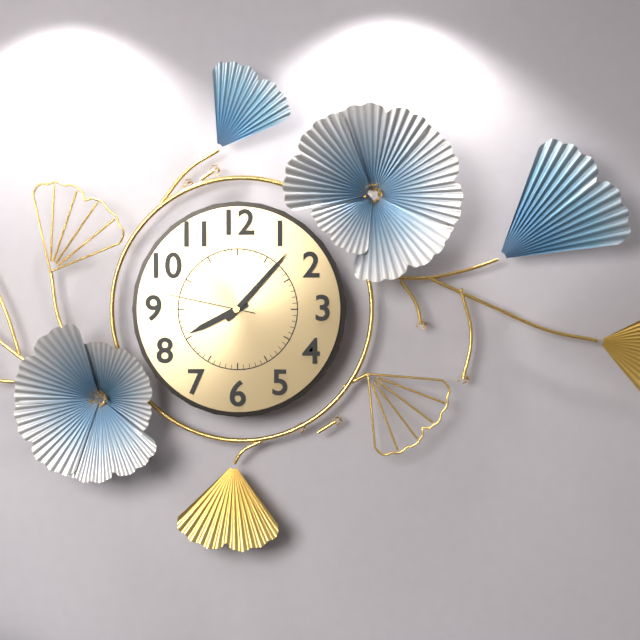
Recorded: 8 h 07 min 47 s
